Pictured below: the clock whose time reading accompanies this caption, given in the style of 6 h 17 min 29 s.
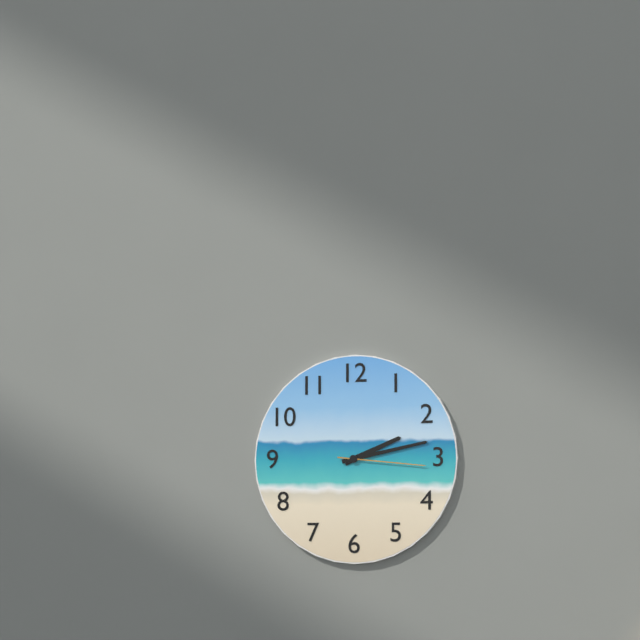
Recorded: 2 h 13 min 16 s
